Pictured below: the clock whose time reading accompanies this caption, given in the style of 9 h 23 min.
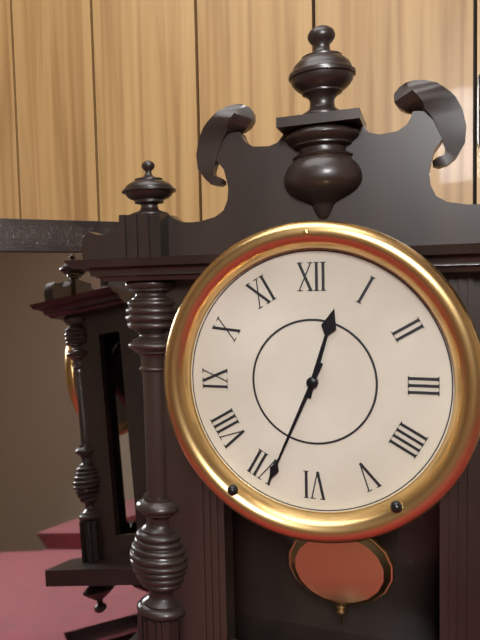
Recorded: 12 h 34 min
